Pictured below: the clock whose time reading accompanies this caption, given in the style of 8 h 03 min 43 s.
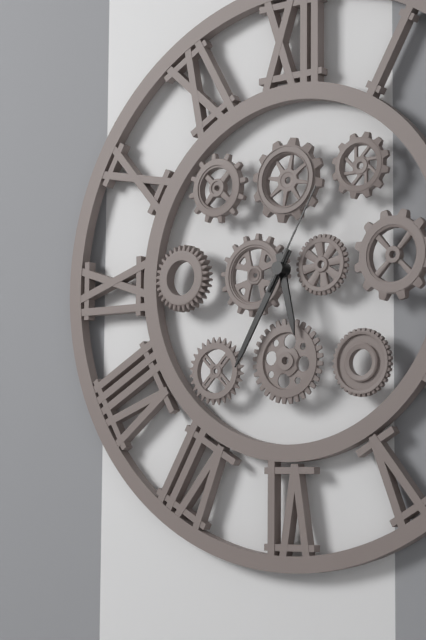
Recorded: 5 h 35 min 05 s
